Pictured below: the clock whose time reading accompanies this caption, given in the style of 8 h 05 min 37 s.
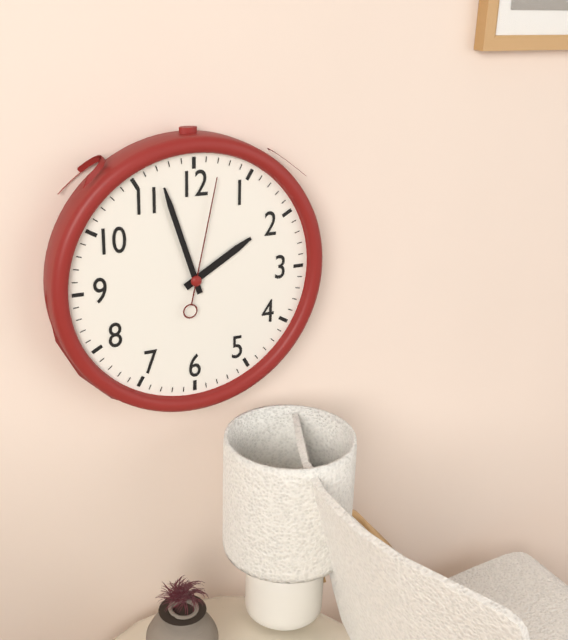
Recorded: 1 h 57 min 02 s
